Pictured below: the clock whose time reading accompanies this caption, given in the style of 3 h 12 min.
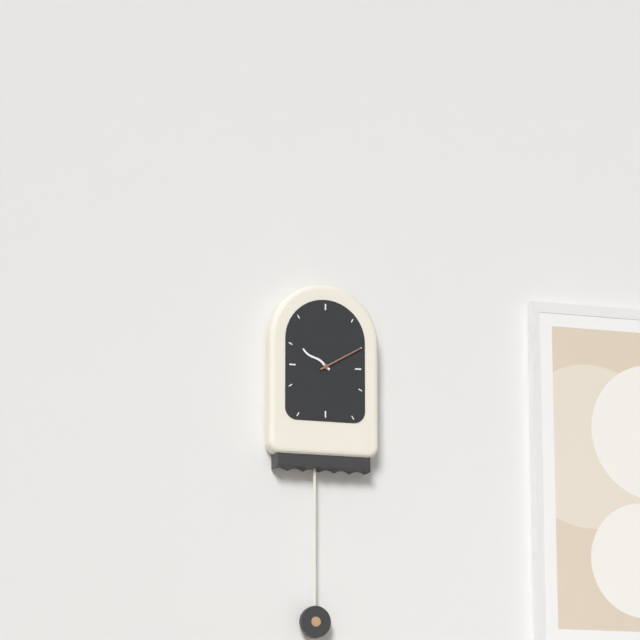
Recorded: 10 h 10 min
